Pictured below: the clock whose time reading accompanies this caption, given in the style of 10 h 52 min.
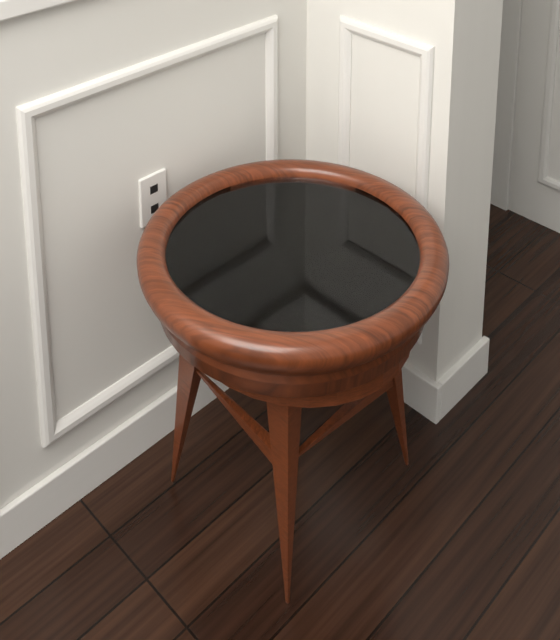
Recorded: 8 h 15 min
